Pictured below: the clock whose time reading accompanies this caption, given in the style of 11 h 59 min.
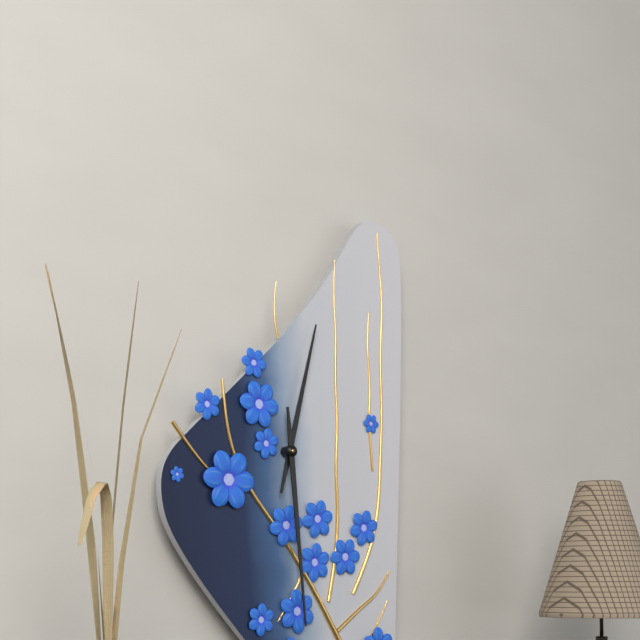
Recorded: 12 h 29 min
